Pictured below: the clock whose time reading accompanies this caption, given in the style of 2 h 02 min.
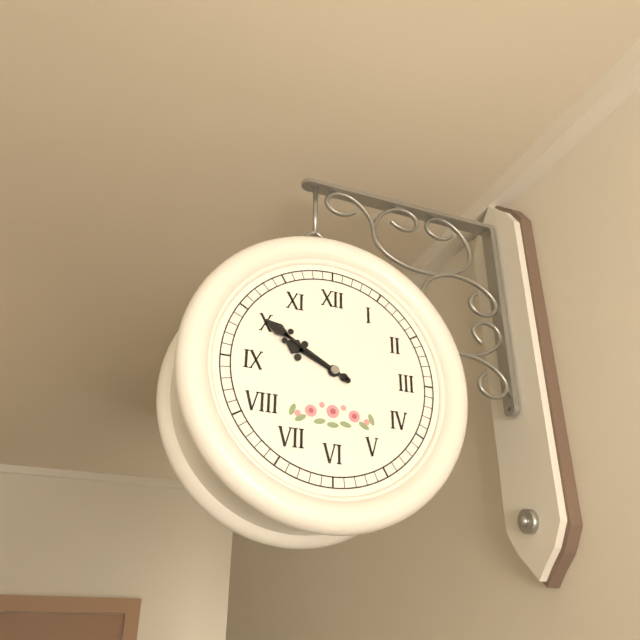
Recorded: 9 h 50 min
